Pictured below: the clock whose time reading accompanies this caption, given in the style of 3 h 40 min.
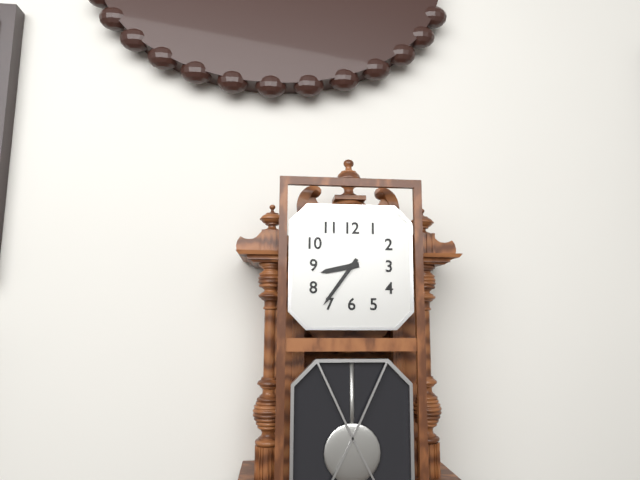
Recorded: 8 h 36 min
